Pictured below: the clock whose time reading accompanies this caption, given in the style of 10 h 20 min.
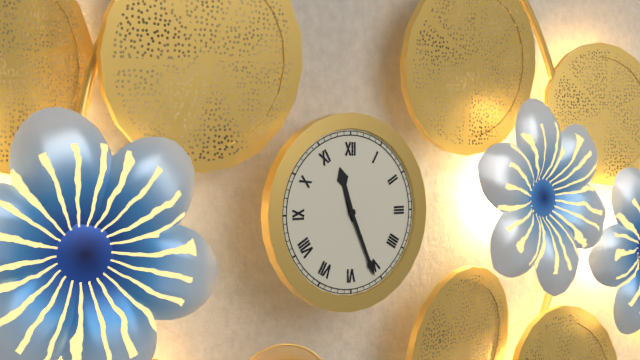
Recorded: 11 h 26 min
